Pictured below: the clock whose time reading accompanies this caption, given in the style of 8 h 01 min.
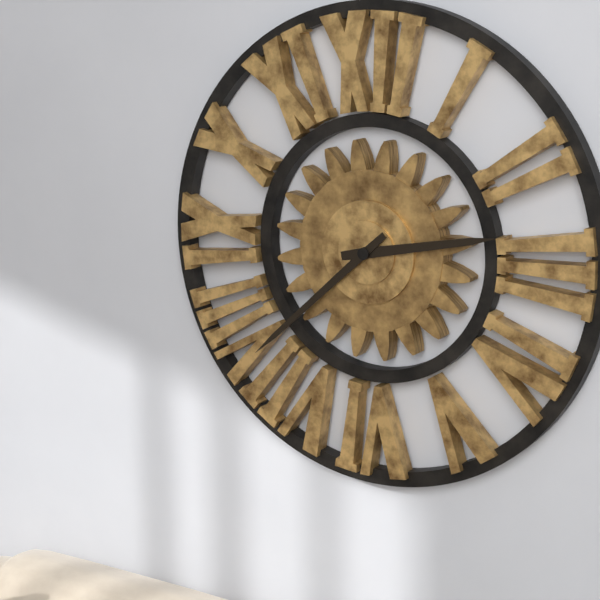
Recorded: 2 h 38 min
